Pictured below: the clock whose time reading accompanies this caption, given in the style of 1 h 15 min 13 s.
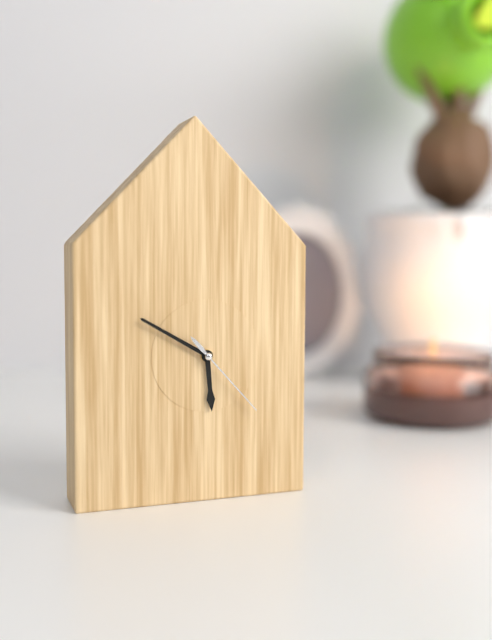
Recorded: 5 h 50 min 23 s
